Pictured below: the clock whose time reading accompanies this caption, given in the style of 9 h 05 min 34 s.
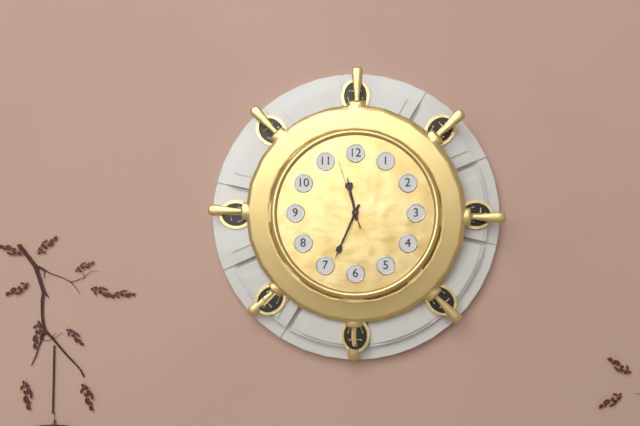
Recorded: 11 h 34 min 57 s
